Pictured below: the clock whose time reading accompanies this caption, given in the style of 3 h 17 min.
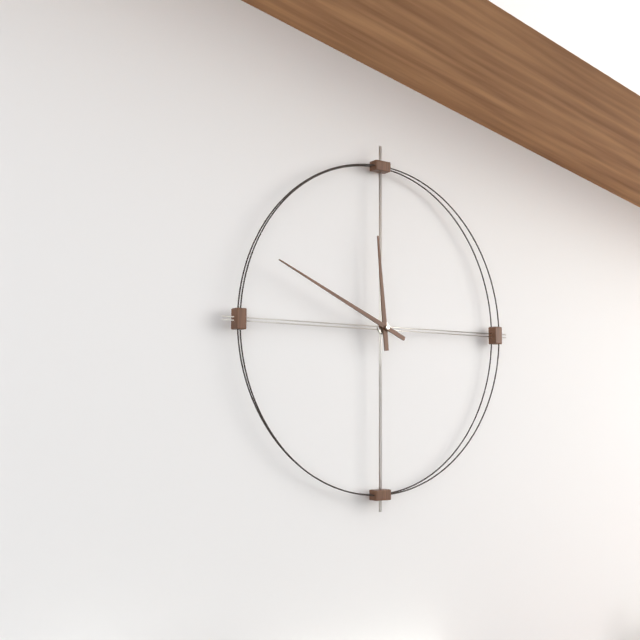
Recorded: 11 h 49 min
